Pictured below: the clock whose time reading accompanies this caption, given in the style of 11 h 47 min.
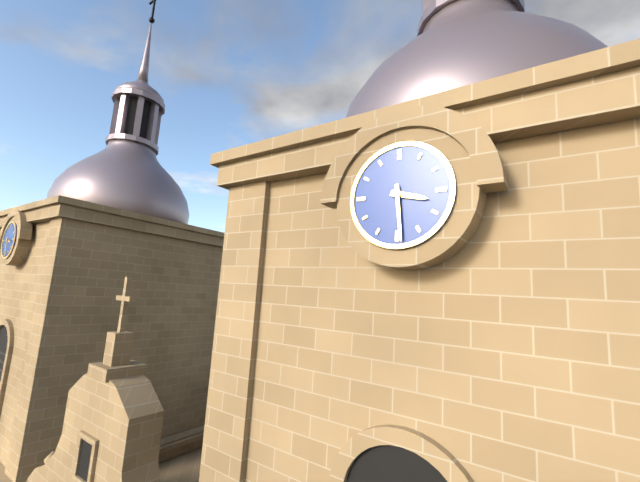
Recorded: 3 h 29 min
